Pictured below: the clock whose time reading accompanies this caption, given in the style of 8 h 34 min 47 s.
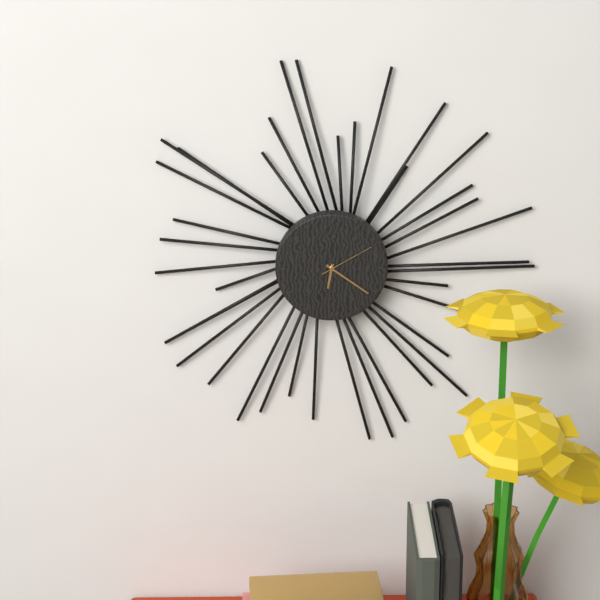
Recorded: 6 h 21 min 10 s
